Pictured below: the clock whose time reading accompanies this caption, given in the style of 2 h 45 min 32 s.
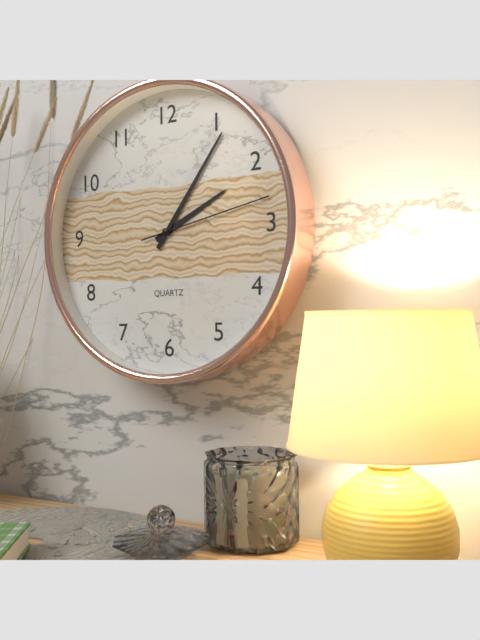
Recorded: 2 h 06 min 13 s
